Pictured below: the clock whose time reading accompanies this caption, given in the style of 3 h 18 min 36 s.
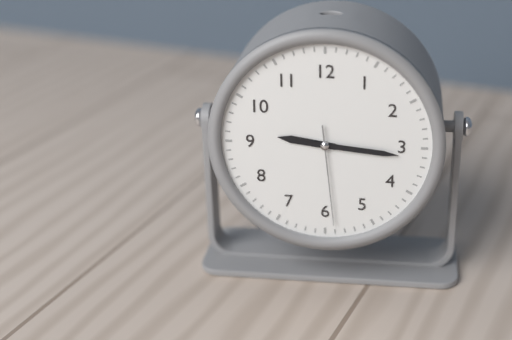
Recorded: 9 h 16 min 29 s
